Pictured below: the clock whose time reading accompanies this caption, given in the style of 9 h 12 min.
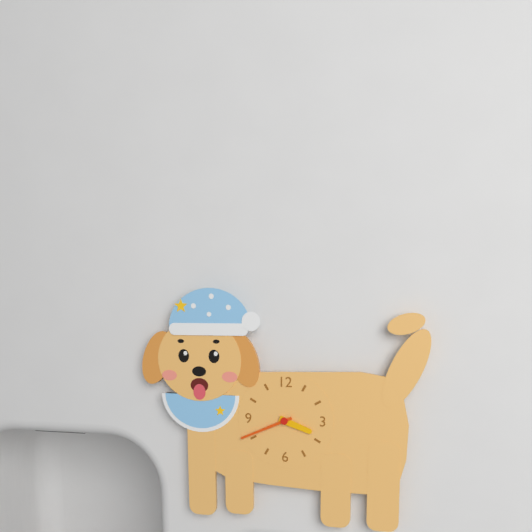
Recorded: 3 h 41 min
